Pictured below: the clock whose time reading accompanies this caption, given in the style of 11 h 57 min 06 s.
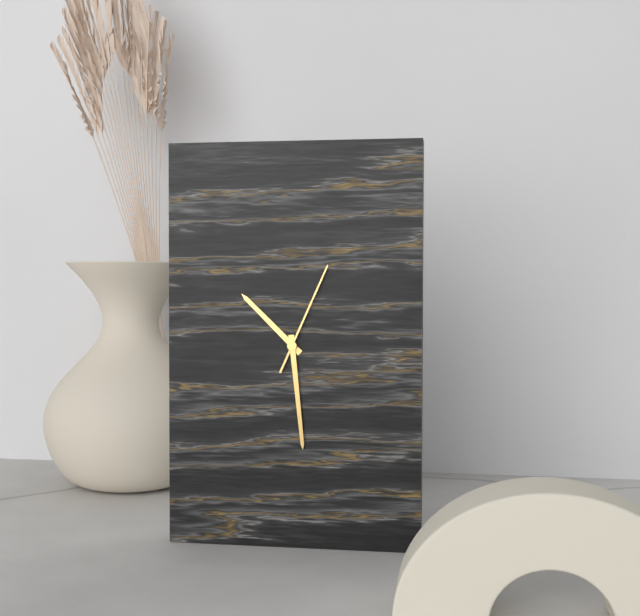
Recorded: 10 h 29 min 04 s
